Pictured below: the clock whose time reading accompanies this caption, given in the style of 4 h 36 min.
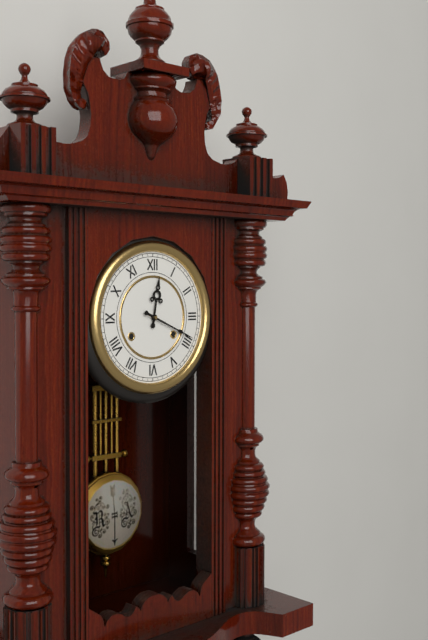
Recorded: 12 h 19 min
